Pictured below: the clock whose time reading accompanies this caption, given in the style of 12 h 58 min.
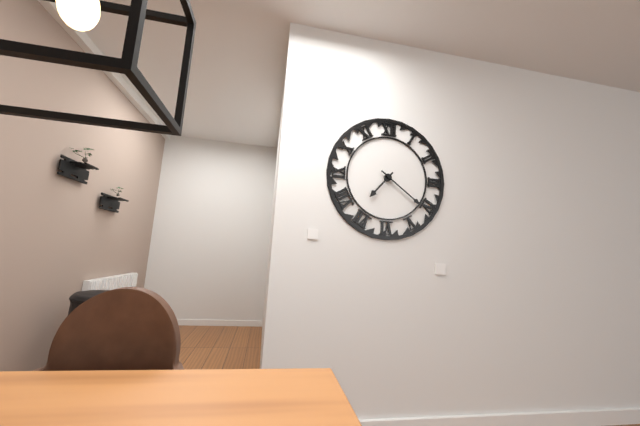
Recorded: 7 h 21 min
